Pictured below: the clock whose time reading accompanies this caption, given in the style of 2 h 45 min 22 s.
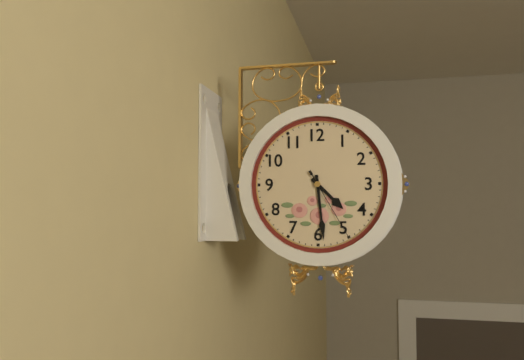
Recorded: 4 h 29 min 25 s
